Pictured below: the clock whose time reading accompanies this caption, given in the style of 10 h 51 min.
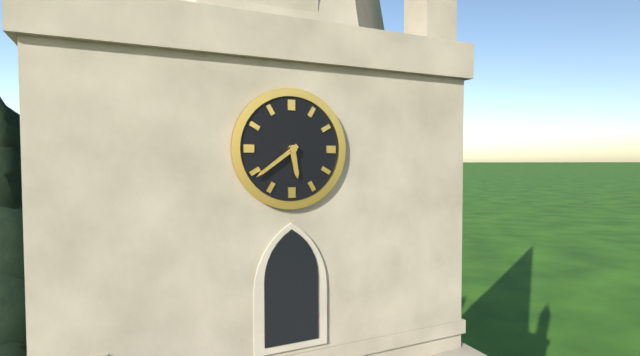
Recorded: 5 h 39 min
